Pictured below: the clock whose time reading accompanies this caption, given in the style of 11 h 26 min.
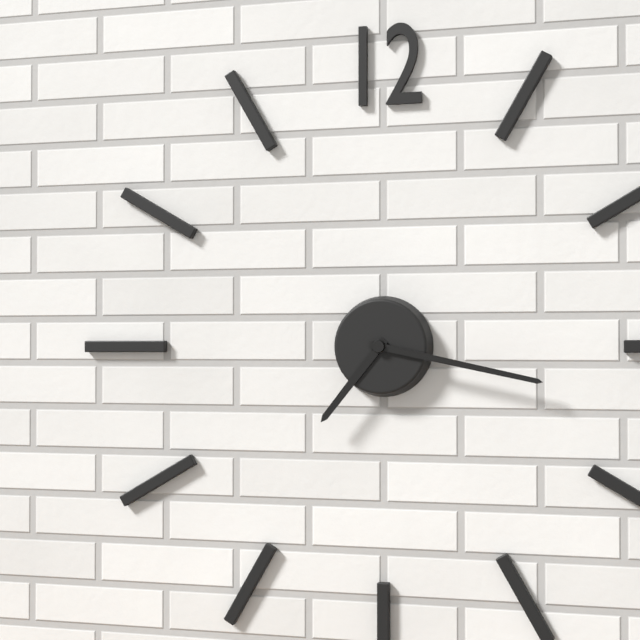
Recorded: 7 h 17 min
